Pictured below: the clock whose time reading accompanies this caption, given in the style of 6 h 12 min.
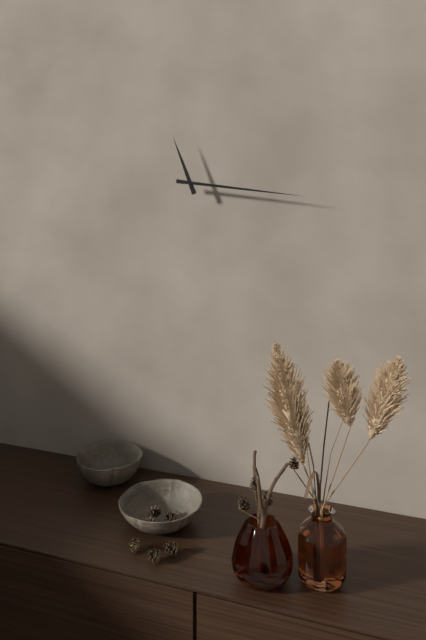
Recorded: 11 h 16 min
